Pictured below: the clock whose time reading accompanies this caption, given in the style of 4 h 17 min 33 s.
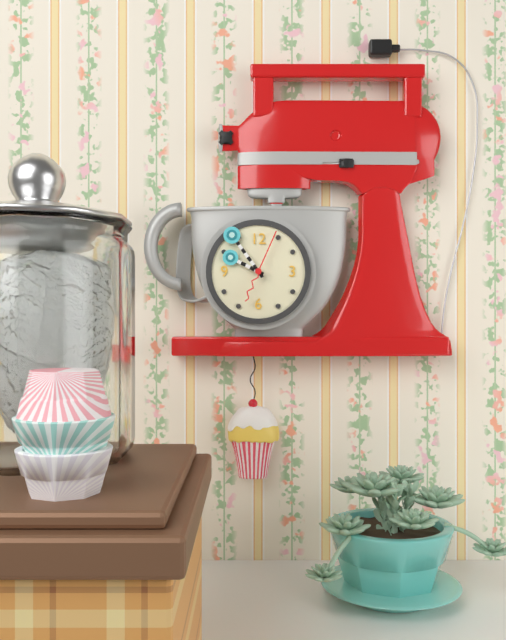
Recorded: 9 h 54 min 04 s
